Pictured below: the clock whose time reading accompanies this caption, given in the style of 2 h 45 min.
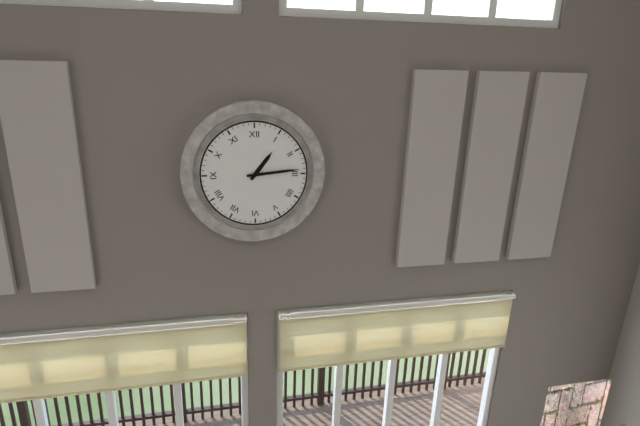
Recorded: 1 h 14 min
